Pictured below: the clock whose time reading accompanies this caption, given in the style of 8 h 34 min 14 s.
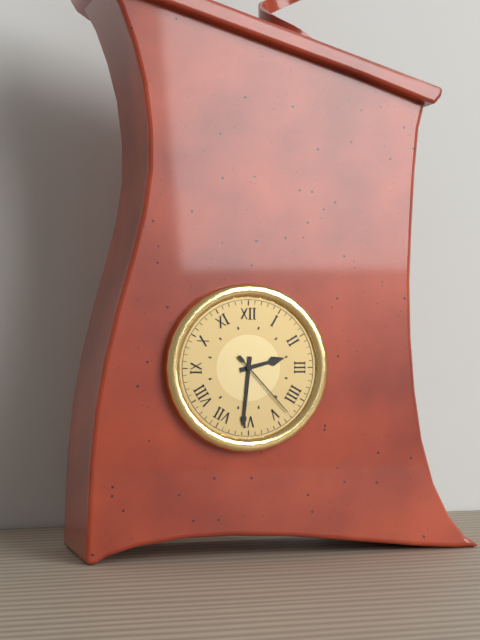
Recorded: 2 h 31 min 23 s
